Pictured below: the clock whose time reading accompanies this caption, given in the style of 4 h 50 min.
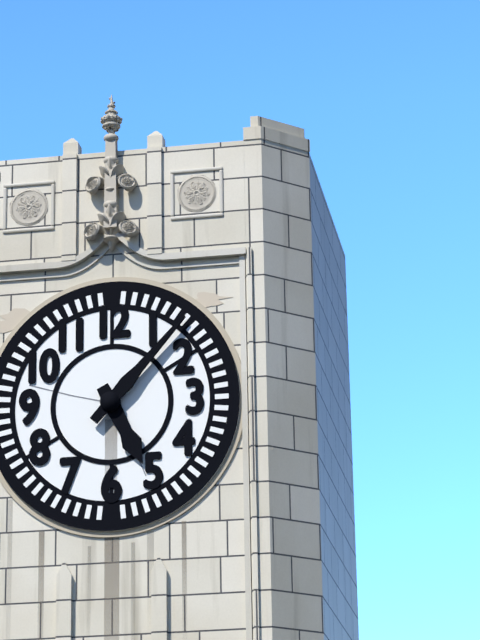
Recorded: 5 h 07 min
